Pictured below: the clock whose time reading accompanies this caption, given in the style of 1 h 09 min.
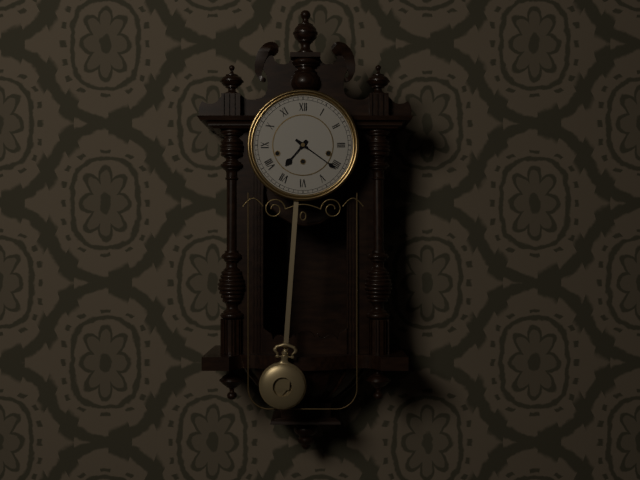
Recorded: 7 h 21 min
